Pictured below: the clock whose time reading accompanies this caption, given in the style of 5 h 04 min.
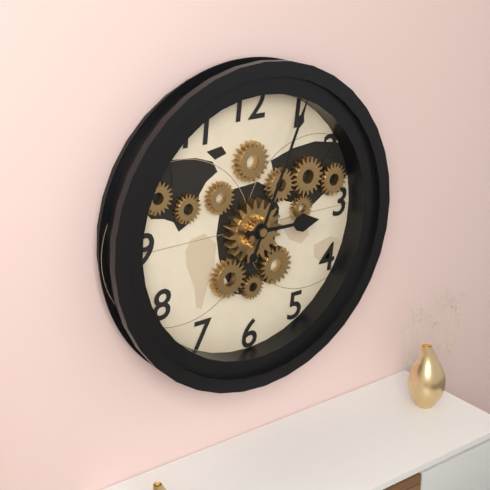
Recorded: 3 h 04 min
